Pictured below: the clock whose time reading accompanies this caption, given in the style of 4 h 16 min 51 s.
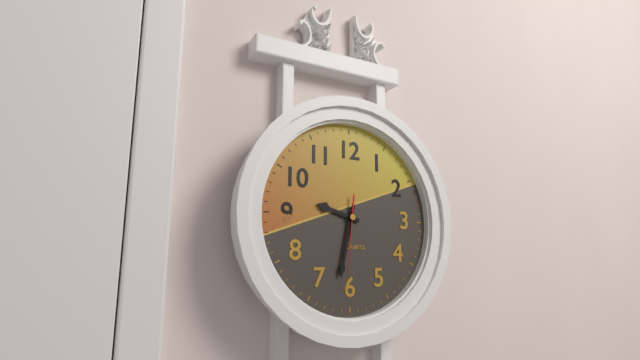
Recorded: 9 h 32 min 31 s
